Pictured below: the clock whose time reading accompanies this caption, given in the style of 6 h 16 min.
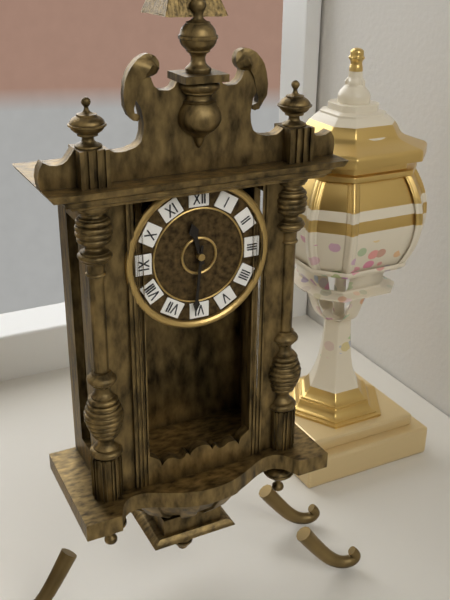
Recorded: 11 h 31 min
